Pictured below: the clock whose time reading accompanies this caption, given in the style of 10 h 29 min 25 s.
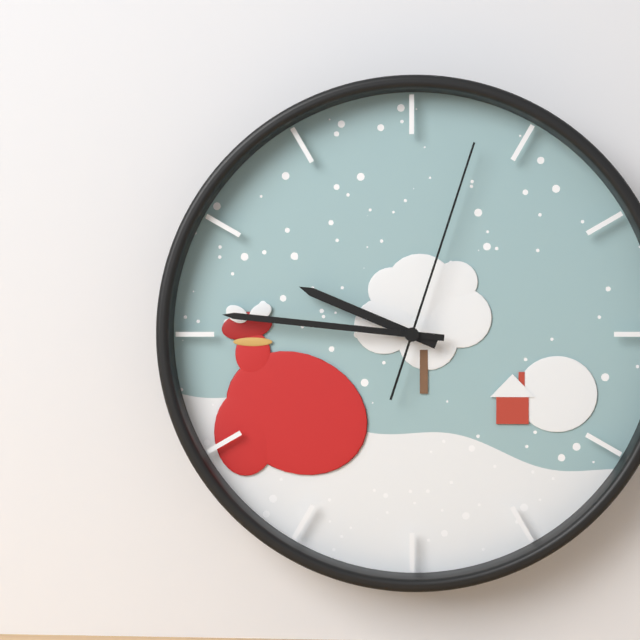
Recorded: 9 h 46 min 03 s
